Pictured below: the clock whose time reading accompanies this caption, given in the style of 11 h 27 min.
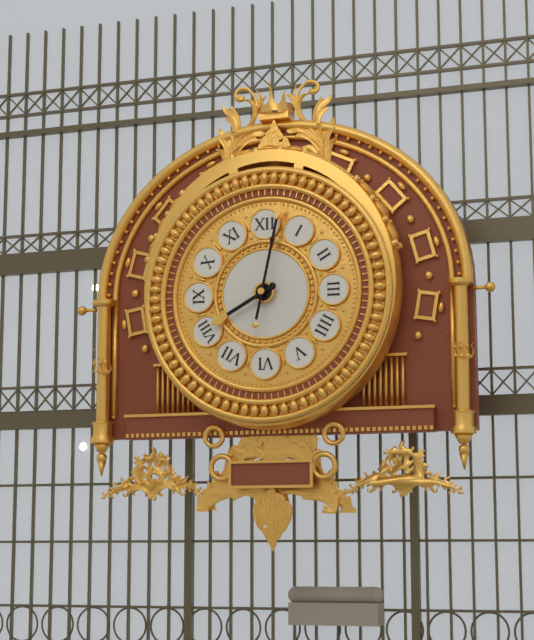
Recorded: 8 h 02 min
